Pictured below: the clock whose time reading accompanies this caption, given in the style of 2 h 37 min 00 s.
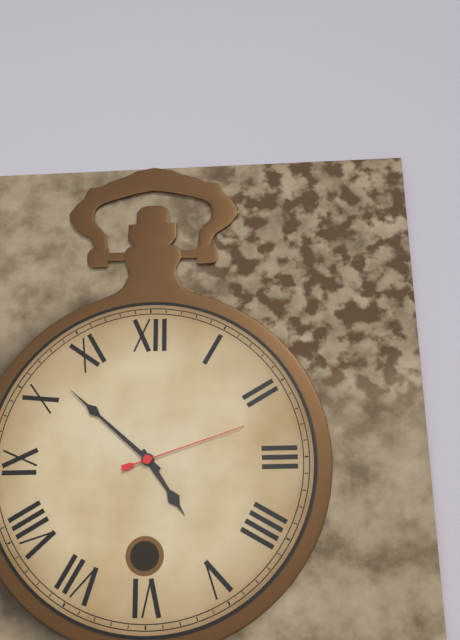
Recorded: 4 h 52 min 12 s
